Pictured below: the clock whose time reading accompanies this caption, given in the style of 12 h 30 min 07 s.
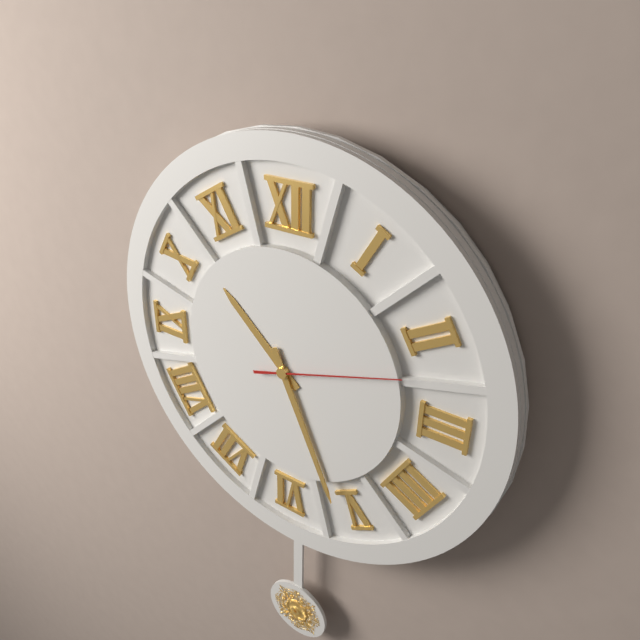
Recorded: 10 h 26 min 12 s
